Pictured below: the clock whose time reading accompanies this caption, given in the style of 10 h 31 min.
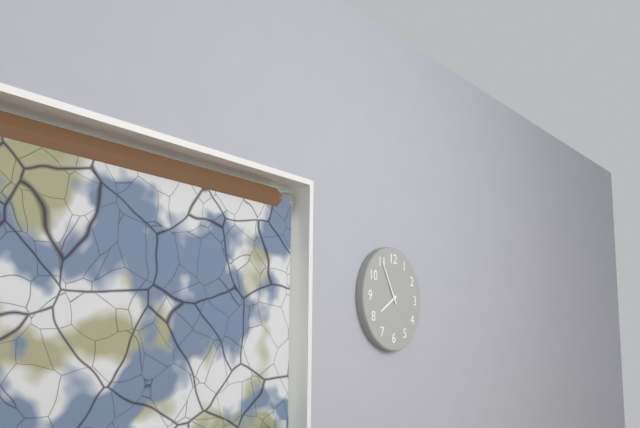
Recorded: 7 h 55 min
